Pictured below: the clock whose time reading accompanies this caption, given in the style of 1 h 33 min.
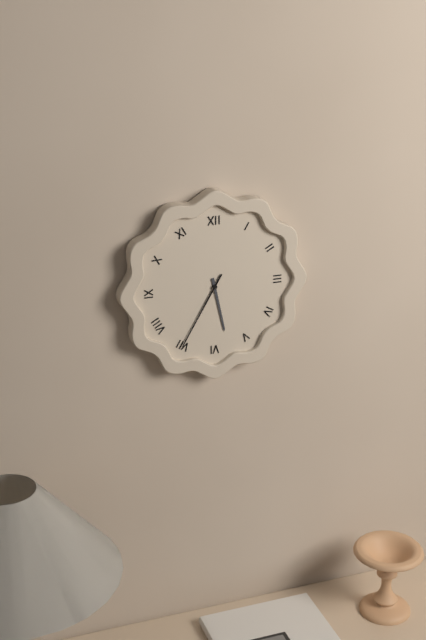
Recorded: 5 h 35 min
